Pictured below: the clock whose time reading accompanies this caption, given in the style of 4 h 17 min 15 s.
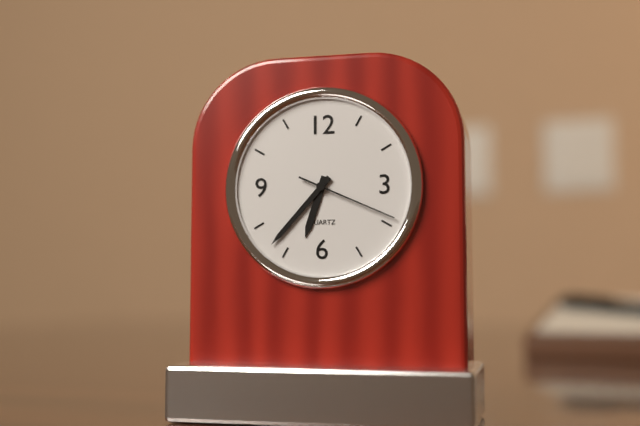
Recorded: 6 h 37 min 19 s
